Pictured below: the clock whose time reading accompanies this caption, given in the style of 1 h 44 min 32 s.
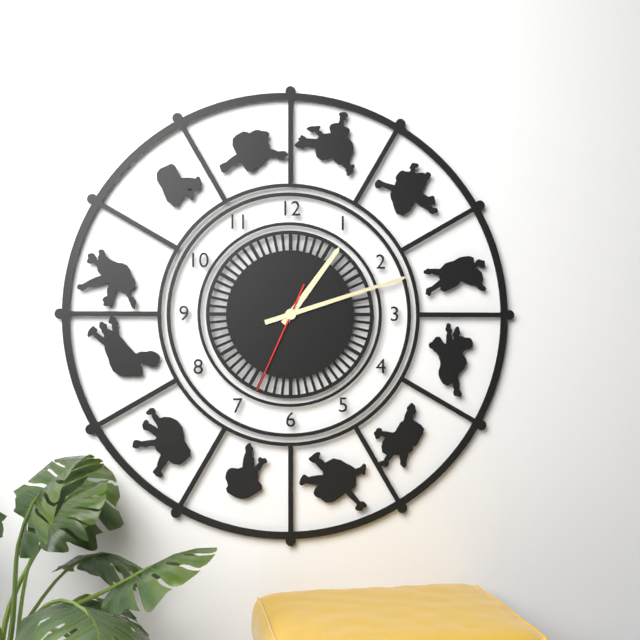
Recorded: 1 h 12 min 34 s
